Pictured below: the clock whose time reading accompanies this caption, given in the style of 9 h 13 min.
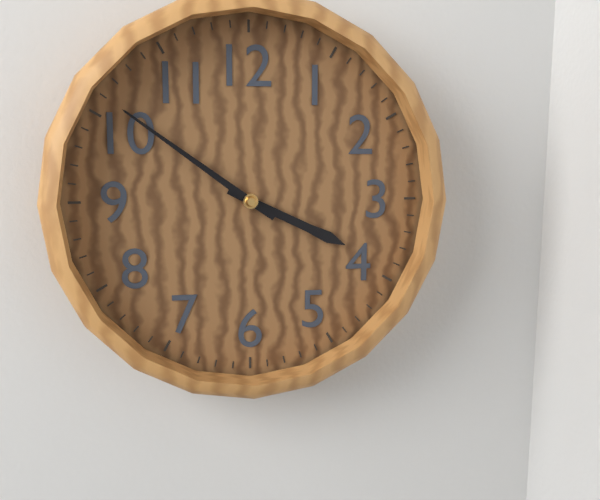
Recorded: 3 h 51 min
